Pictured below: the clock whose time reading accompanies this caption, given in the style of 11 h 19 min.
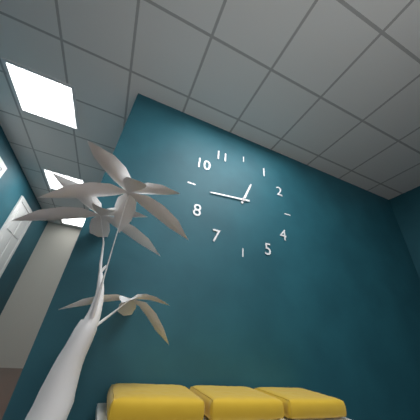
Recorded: 12 h 44 min
